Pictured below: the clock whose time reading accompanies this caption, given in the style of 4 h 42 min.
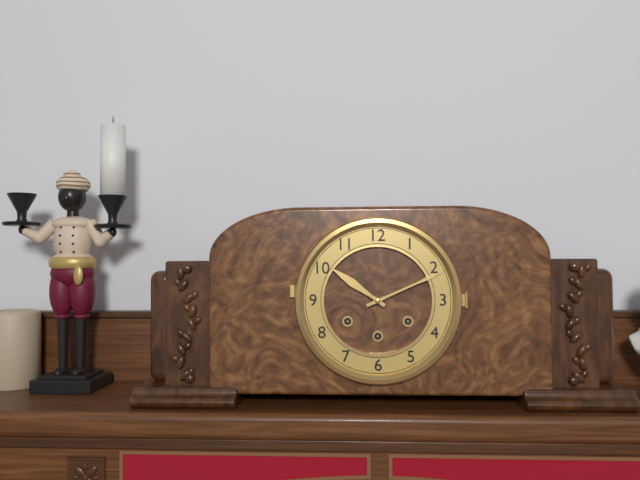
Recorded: 10 h 11 min
